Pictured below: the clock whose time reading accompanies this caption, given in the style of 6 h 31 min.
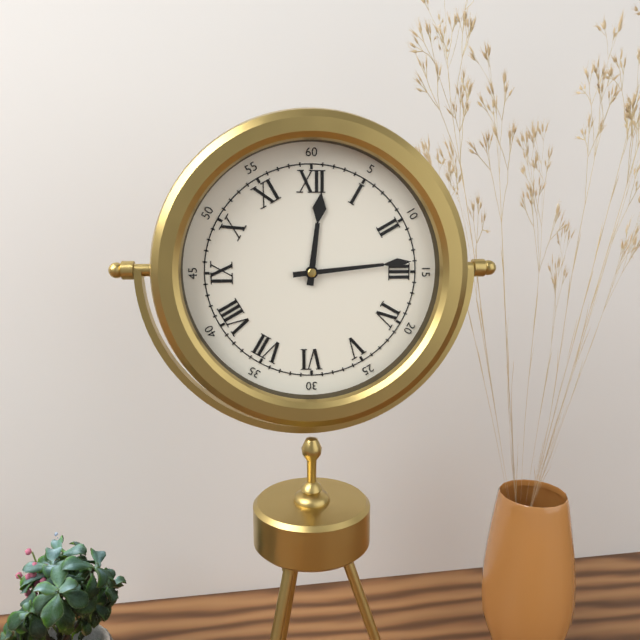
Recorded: 12 h 14 min
